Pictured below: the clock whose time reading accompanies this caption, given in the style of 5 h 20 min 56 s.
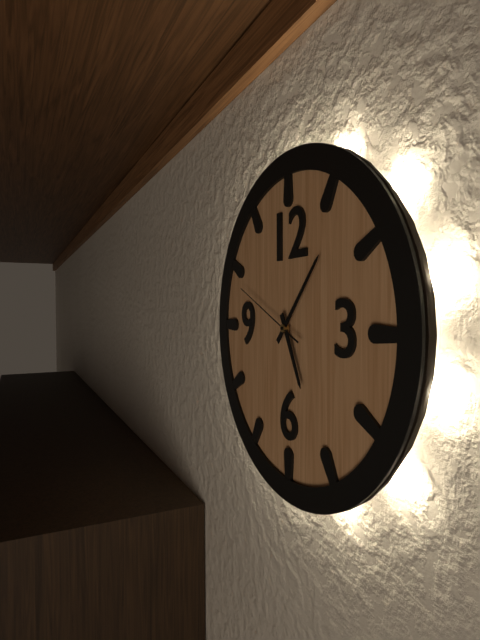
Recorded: 5 h 07 min 49 s
